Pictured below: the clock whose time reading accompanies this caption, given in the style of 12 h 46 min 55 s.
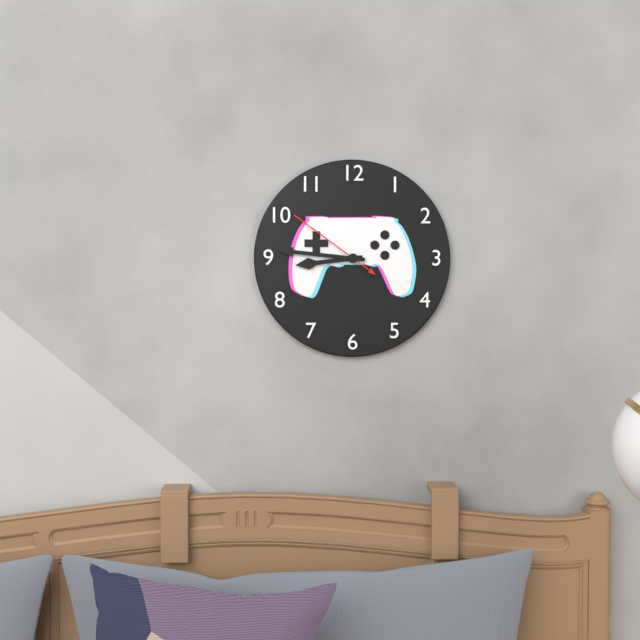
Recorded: 8 h 46 min 51 s
